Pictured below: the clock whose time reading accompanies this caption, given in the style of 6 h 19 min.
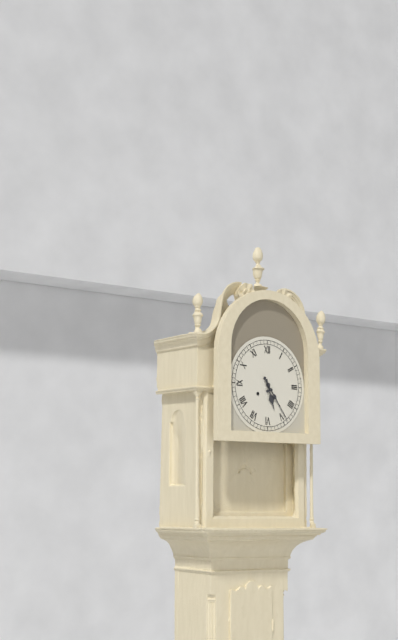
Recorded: 5 h 24 min
